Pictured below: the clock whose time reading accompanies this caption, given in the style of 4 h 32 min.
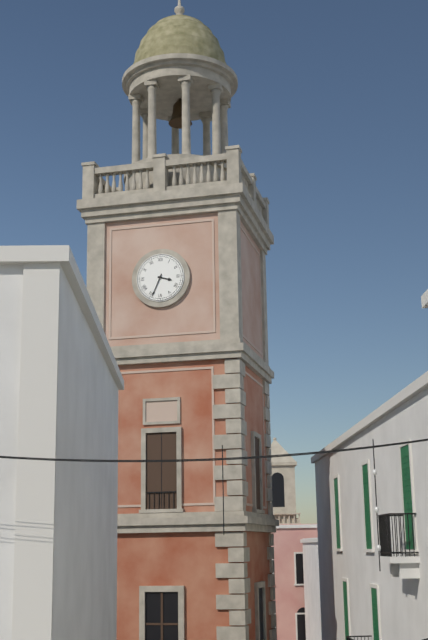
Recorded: 3 h 34 min
